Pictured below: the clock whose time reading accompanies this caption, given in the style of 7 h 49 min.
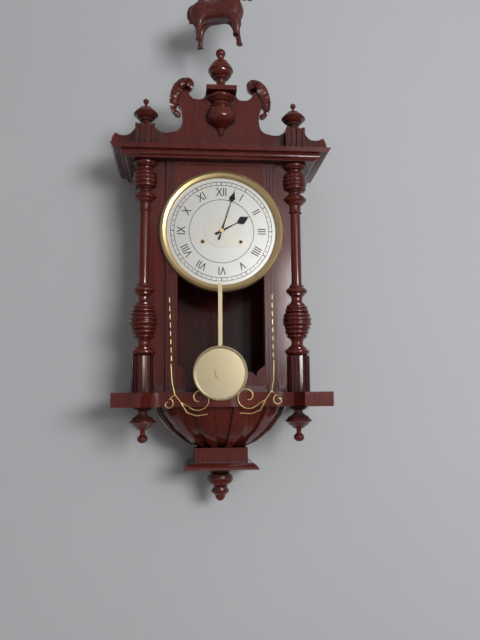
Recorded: 2 h 03 min
